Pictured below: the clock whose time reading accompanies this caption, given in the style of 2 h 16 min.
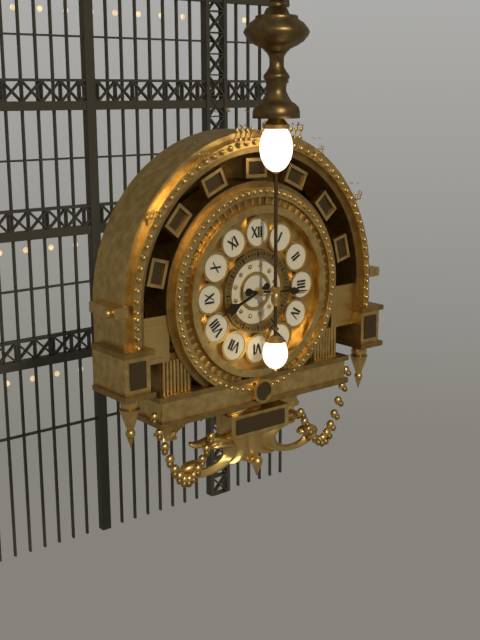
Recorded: 8 h 16 min
